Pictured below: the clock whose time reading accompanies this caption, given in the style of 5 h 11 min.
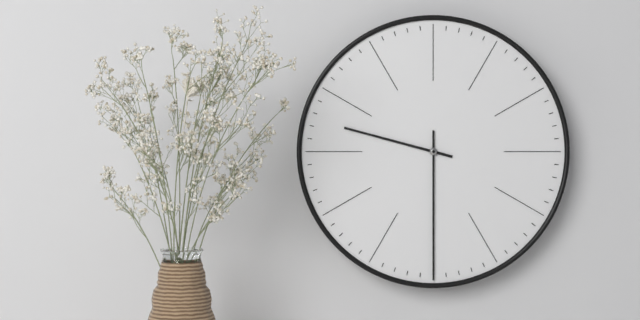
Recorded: 9 h 30 min
